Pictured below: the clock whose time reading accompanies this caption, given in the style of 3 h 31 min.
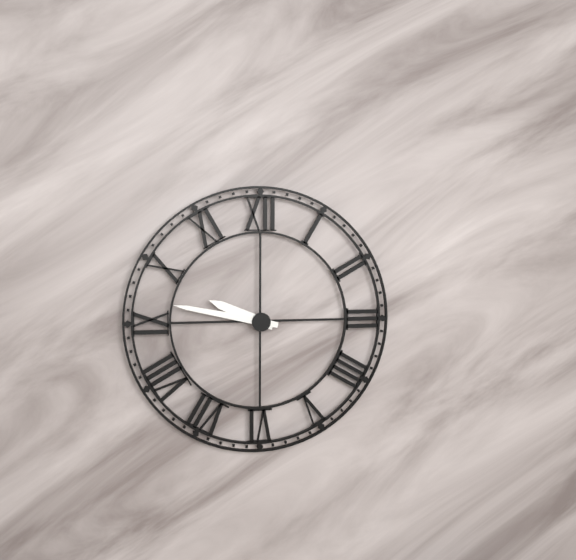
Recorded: 9 h 47 min
